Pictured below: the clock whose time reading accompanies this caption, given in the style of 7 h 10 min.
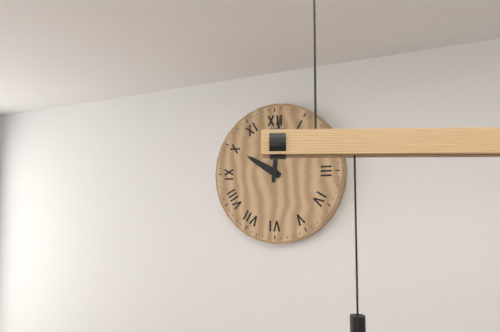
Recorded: 10 h 01 min
